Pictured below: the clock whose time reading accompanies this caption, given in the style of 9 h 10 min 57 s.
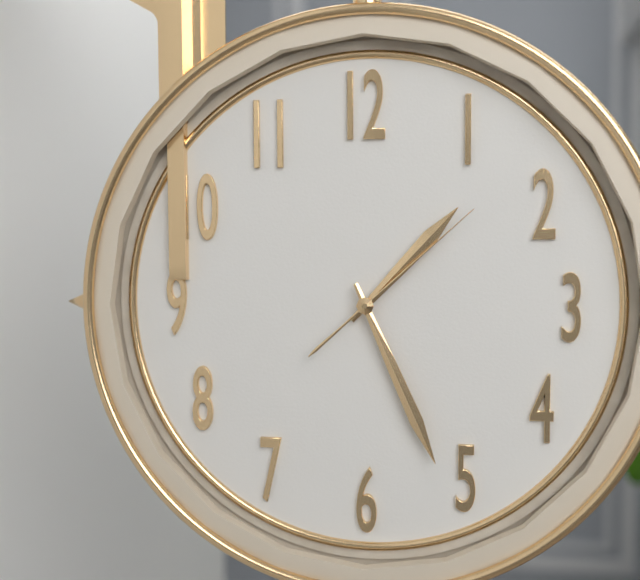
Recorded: 1 h 26 min 08 s
